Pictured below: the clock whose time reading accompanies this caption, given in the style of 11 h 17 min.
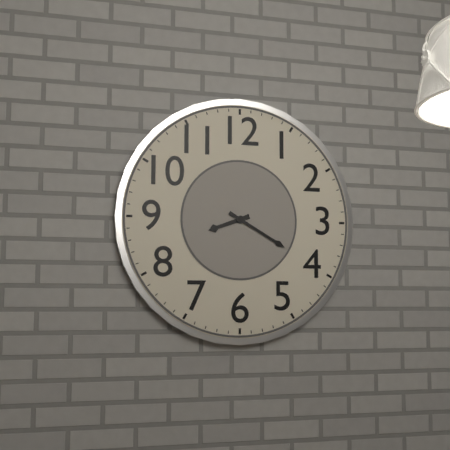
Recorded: 8 h 20 min
